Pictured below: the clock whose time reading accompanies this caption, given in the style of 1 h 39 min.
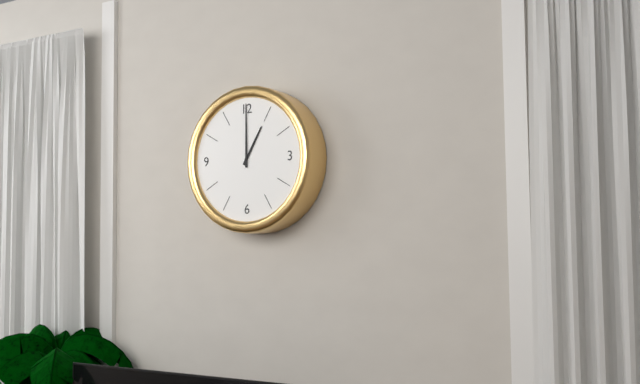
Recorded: 1 h 00 min
